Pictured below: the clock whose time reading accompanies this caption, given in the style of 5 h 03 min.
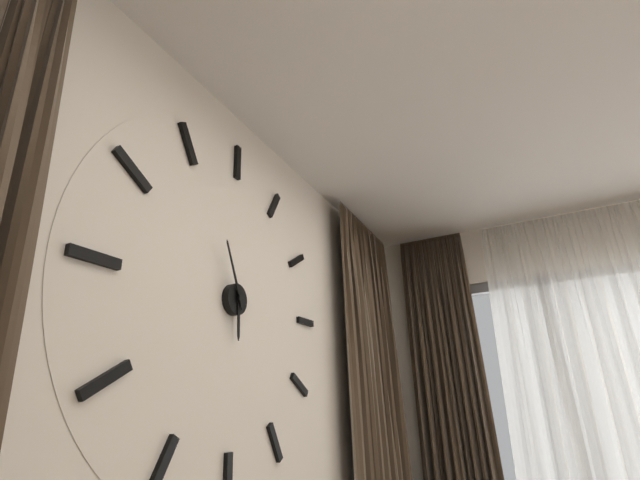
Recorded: 5 h 56 min
